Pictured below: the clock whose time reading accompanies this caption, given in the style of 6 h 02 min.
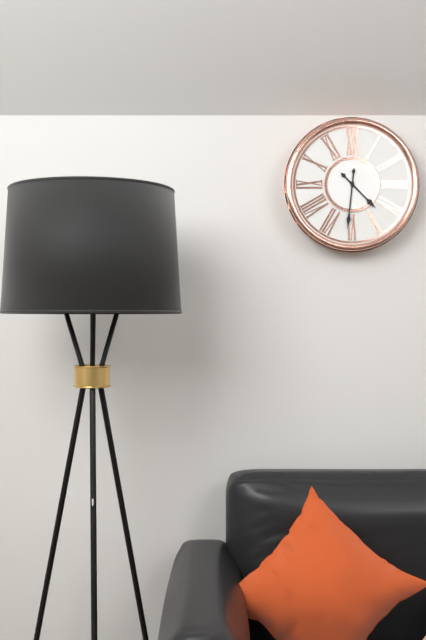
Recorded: 4 h 31 min
